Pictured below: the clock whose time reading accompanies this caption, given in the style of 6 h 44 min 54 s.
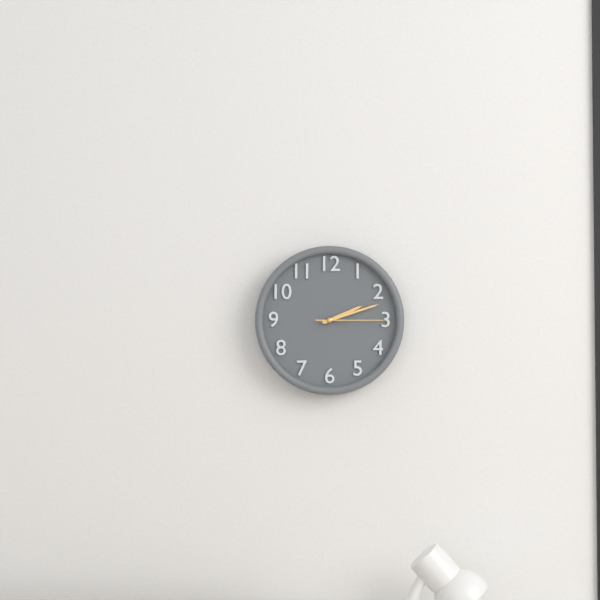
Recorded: 2 h 12 min 15 s
